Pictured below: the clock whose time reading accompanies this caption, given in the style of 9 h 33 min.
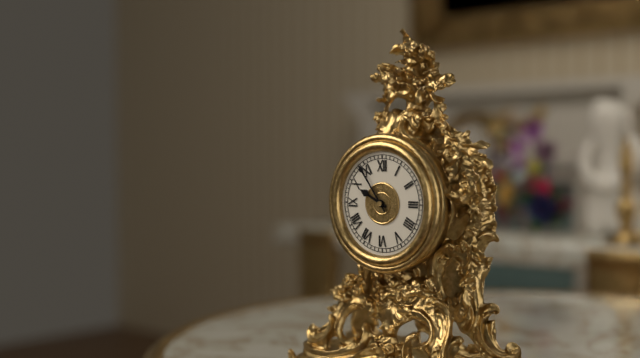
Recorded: 9 h 54 min
